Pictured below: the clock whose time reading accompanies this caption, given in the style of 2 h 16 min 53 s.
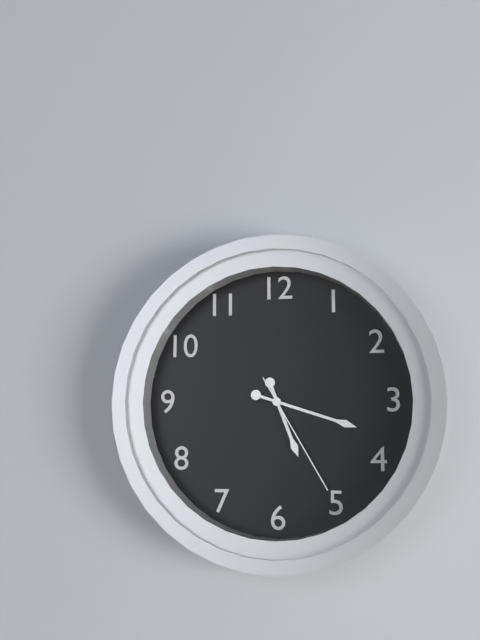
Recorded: 5 h 18 min 25 s
